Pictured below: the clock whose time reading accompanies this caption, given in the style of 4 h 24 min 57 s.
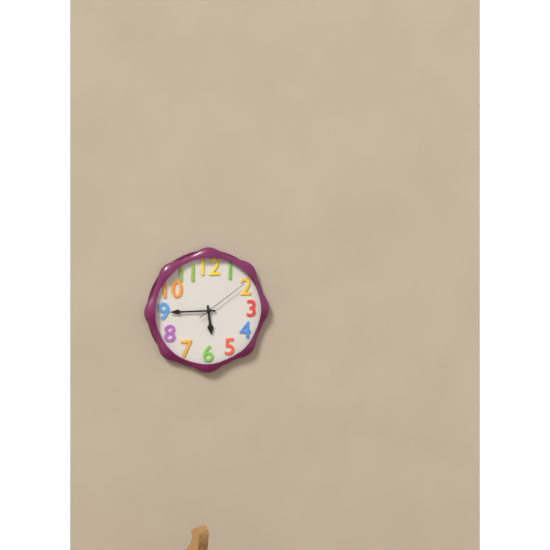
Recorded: 5 h 45 min 09 s
